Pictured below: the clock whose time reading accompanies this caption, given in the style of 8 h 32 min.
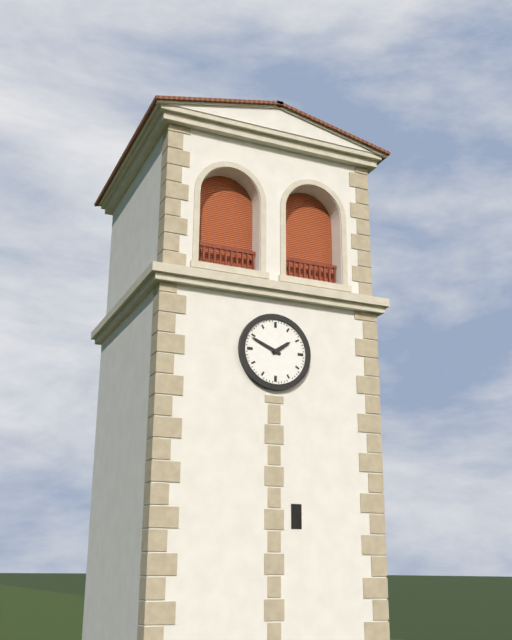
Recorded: 1 h 49 min
